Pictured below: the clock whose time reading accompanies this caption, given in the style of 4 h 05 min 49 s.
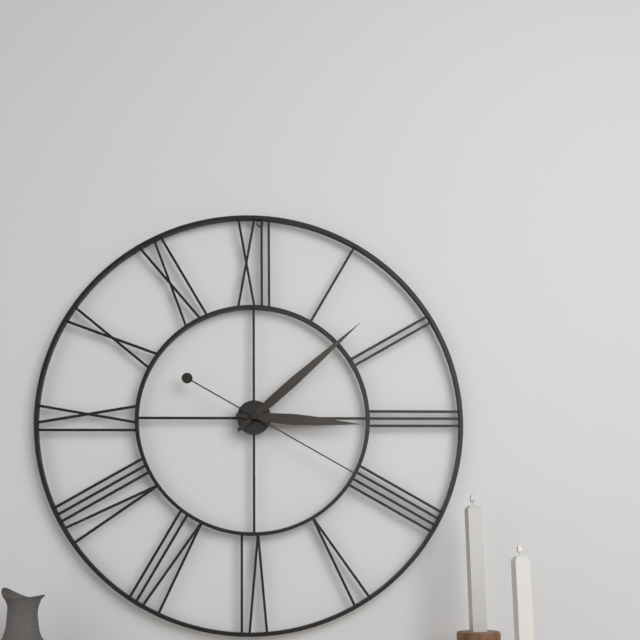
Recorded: 3 h 08 min 20 s
